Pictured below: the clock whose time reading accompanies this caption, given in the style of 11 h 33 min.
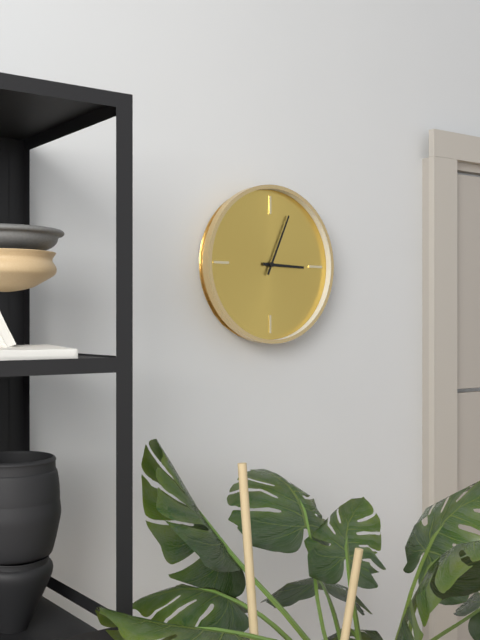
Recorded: 3 h 04 min
